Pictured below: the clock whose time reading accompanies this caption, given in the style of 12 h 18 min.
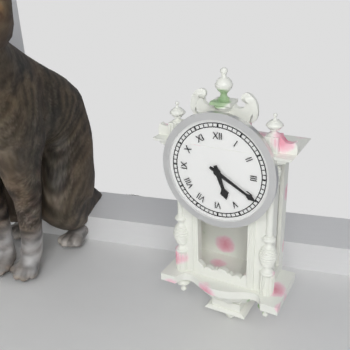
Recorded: 5 h 20 min
